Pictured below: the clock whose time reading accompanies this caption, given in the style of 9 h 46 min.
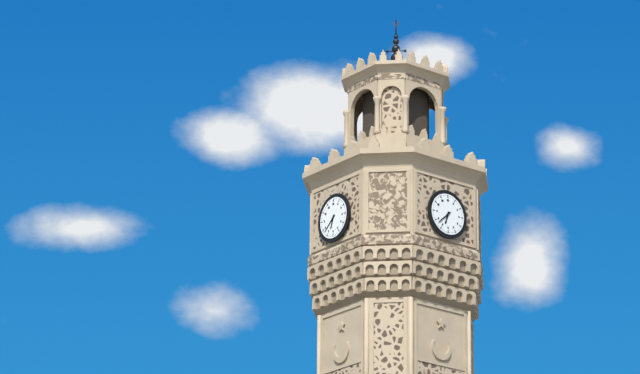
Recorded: 6 h 38 min
